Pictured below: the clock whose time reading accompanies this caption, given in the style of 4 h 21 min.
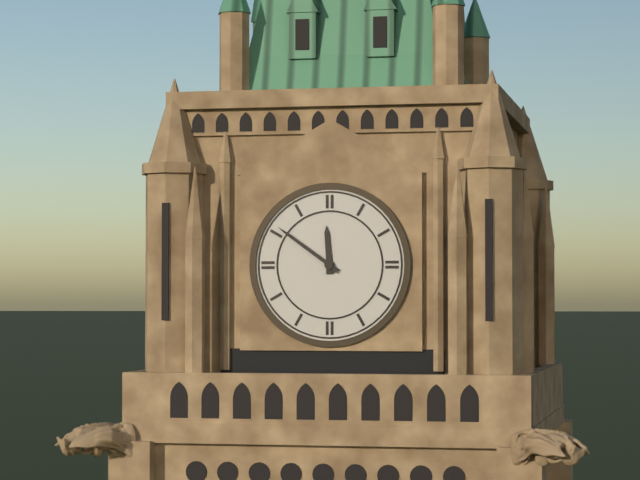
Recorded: 11 h 51 min
